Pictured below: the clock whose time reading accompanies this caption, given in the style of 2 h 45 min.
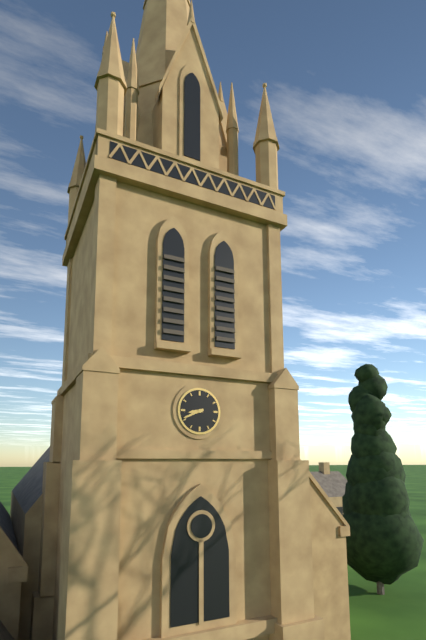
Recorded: 8 h 41 min
